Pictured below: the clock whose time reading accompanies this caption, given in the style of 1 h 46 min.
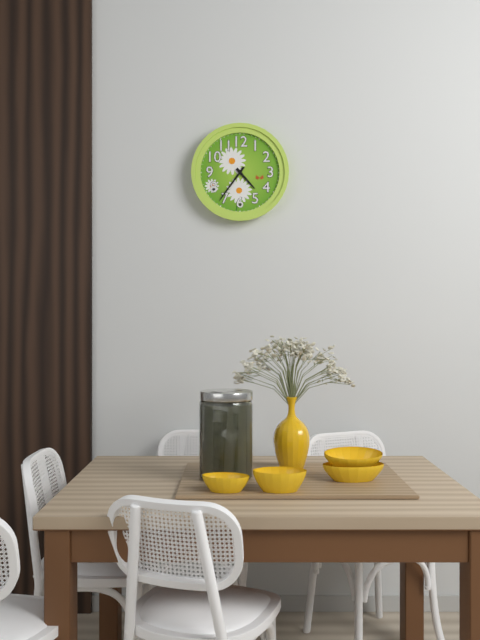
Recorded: 4 h 36 min
